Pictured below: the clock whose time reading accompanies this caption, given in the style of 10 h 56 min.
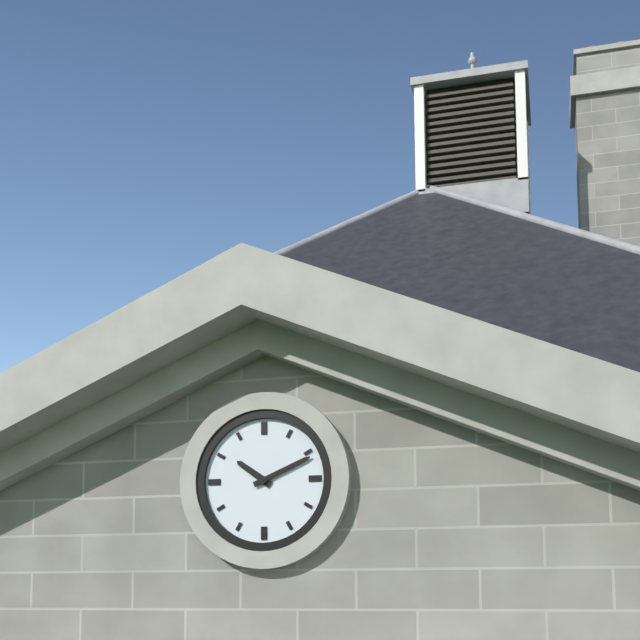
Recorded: 10 h 11 min
